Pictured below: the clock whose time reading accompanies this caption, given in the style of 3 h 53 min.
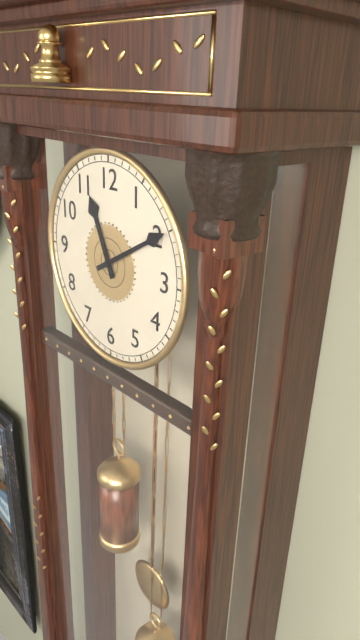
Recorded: 11 h 10 min
